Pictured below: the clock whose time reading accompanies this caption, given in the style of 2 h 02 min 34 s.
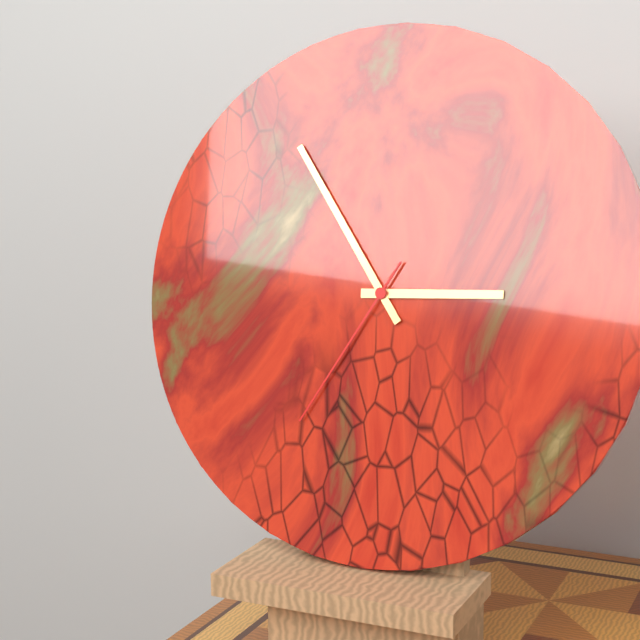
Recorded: 2 h 54 min 35 s
